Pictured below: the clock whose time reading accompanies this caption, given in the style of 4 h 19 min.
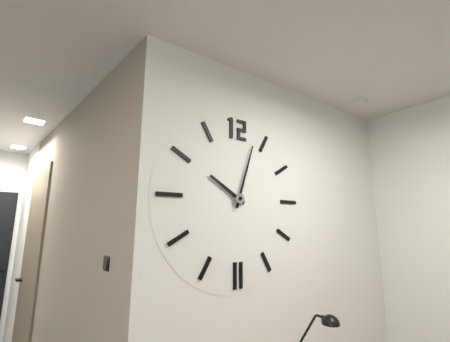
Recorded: 10 h 03 min
